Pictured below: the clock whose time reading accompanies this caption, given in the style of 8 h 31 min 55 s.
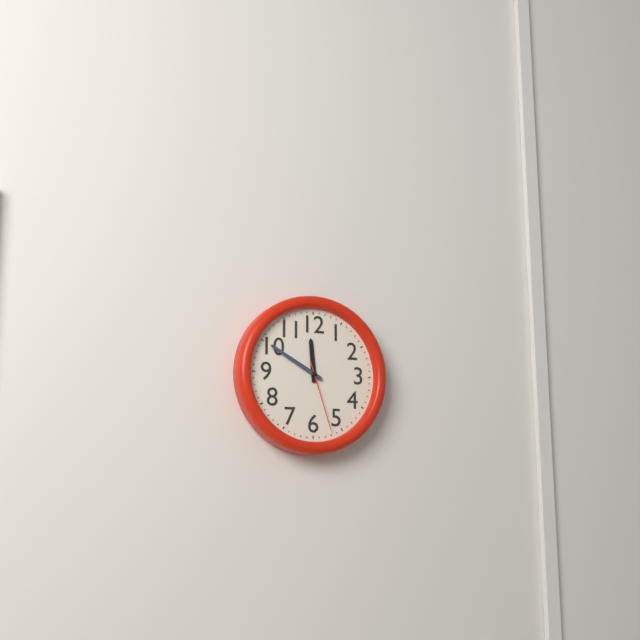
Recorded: 11 h 50 min 27 s
